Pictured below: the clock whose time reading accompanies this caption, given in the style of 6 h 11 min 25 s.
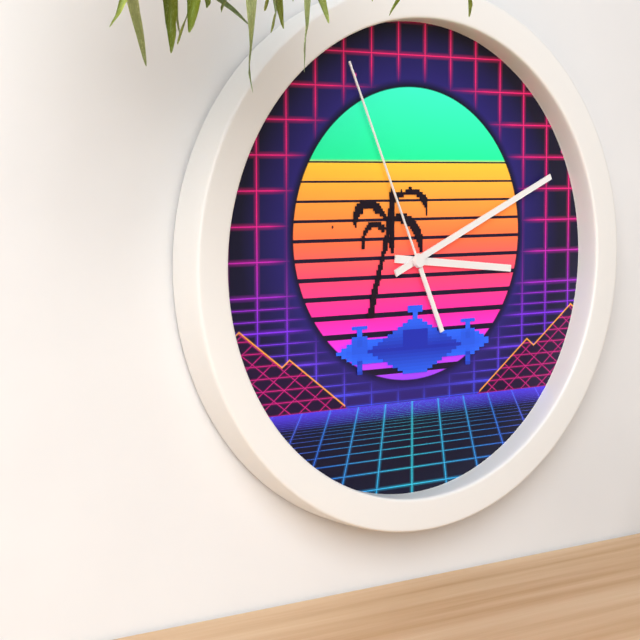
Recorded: 3 h 11 min 56 s
